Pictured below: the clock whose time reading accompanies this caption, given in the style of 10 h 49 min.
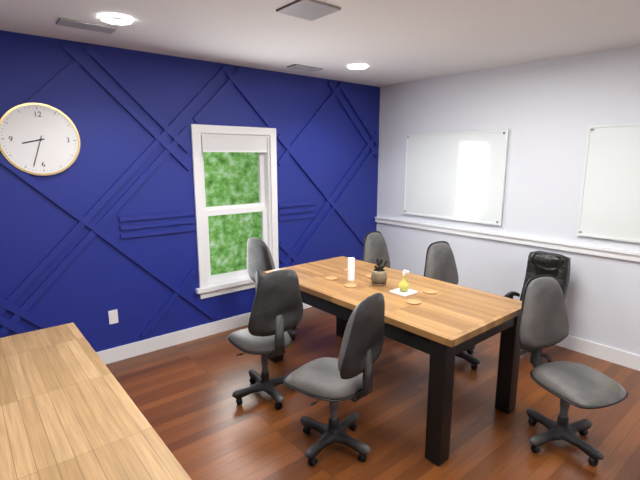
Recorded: 8 h 33 min
